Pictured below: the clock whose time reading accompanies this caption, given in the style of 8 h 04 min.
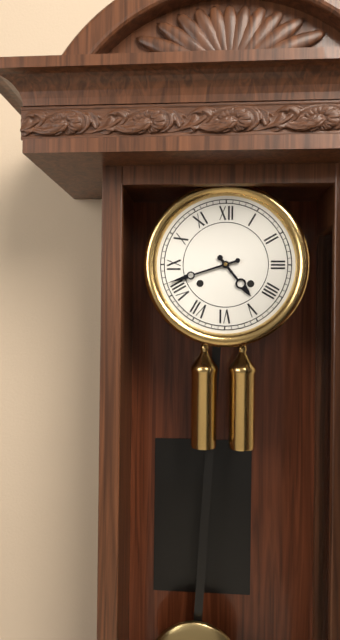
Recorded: 4 h 42 min
